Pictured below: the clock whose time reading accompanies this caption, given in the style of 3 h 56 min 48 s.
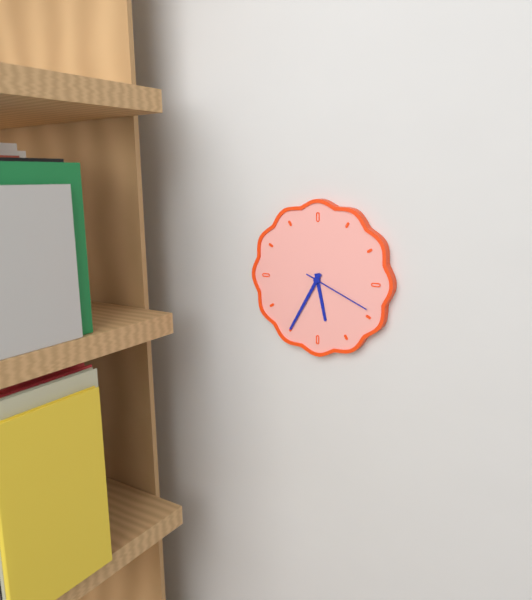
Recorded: 5 h 35 min 19 s
